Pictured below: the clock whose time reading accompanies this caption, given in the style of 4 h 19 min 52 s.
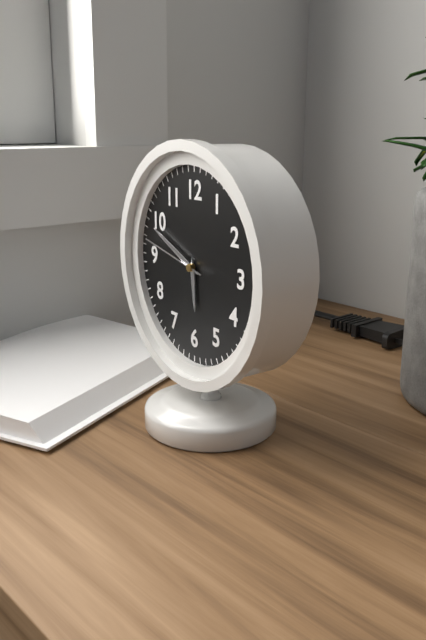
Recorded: 5 h 49 min 47 s
